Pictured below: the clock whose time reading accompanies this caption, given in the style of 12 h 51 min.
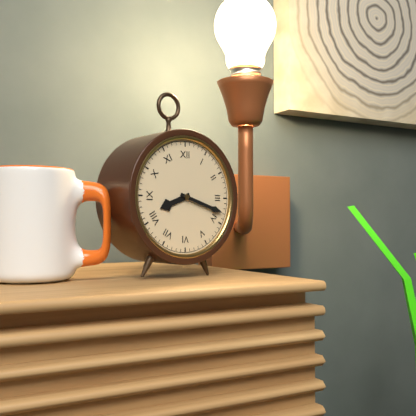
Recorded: 8 h 18 min
